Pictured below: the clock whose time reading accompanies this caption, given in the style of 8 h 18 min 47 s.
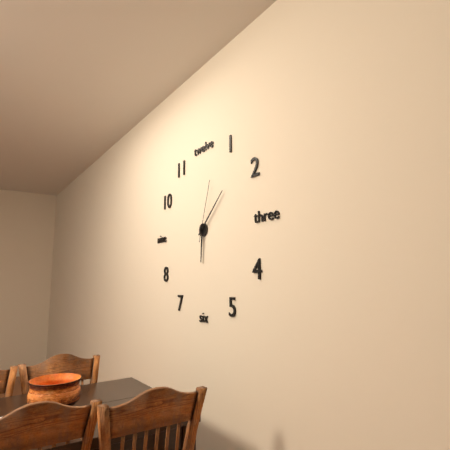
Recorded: 6 h 08 min 03 s
